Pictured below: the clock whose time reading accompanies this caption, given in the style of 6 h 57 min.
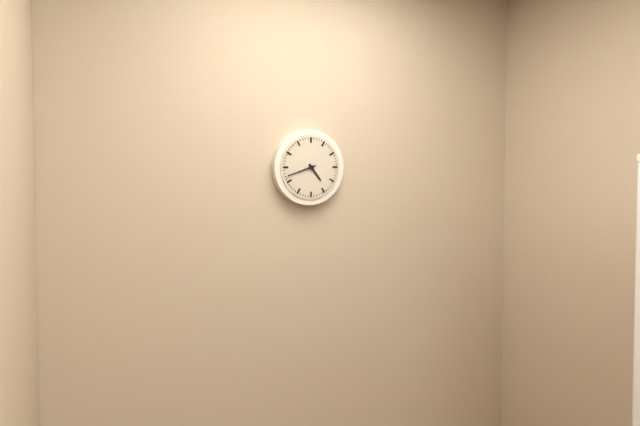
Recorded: 4 h 42 min
